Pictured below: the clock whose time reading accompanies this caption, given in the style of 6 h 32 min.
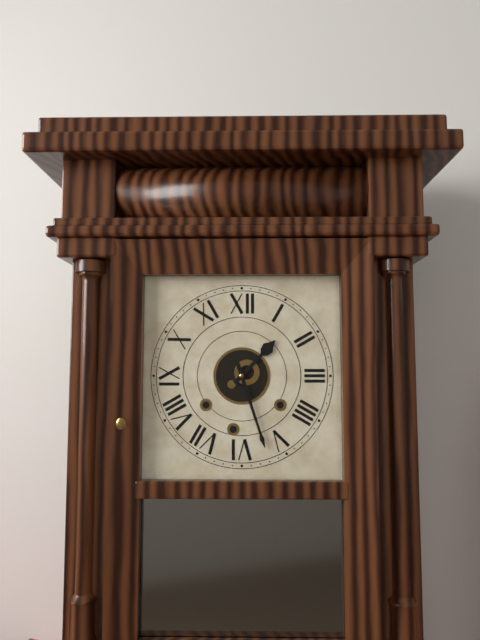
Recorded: 1 h 27 min
